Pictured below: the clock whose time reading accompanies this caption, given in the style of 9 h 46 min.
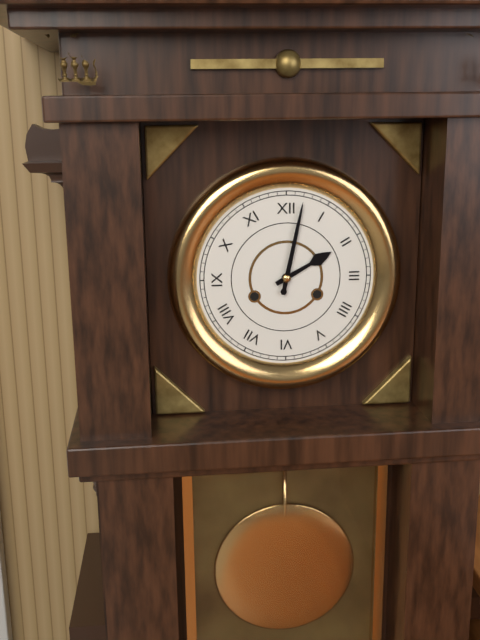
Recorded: 2 h 02 min
